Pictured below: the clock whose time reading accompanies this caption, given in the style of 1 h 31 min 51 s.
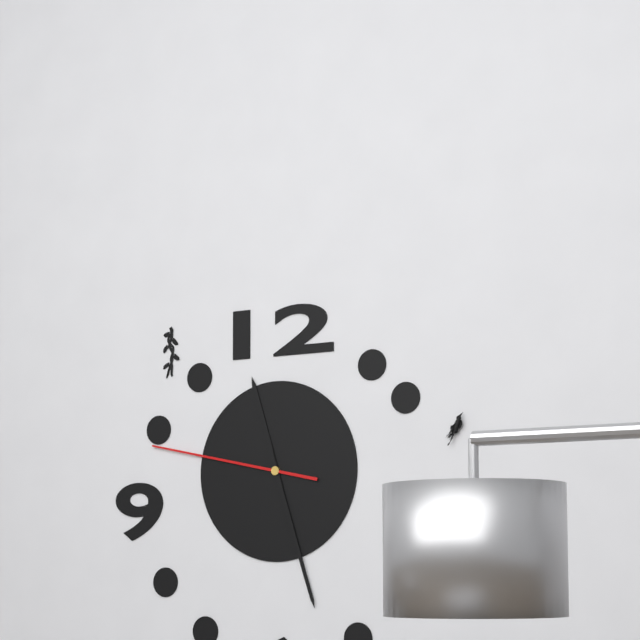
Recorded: 11 h 27 min 47 s
